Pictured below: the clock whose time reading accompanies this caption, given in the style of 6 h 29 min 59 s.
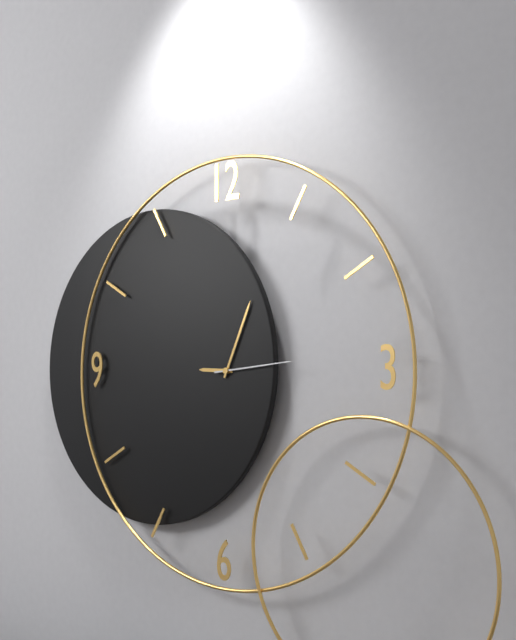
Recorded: 9 h 04 min 14 s
